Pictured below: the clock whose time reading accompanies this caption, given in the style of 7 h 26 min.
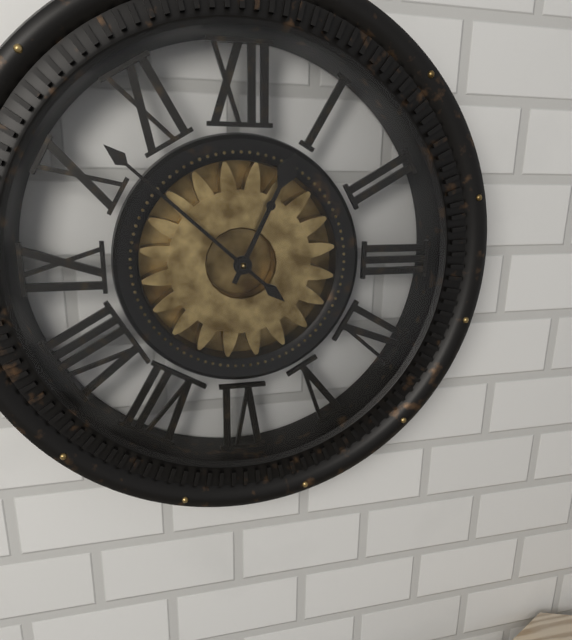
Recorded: 12 h 52 min
